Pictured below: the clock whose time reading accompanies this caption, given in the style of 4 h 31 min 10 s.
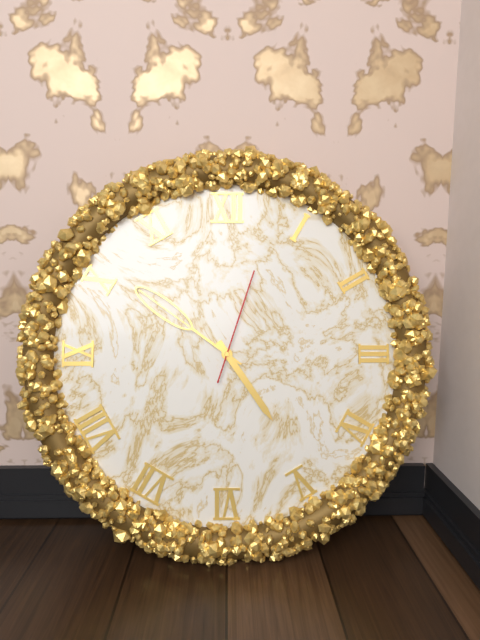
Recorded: 4 h 51 min 03 s
